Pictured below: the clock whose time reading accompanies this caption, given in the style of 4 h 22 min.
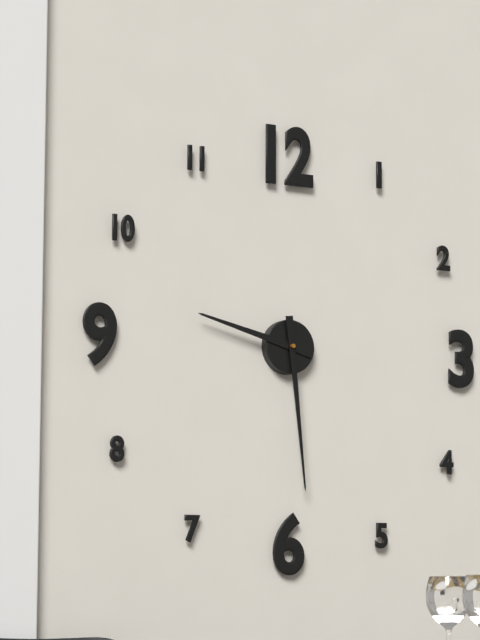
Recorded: 9 h 29 min
